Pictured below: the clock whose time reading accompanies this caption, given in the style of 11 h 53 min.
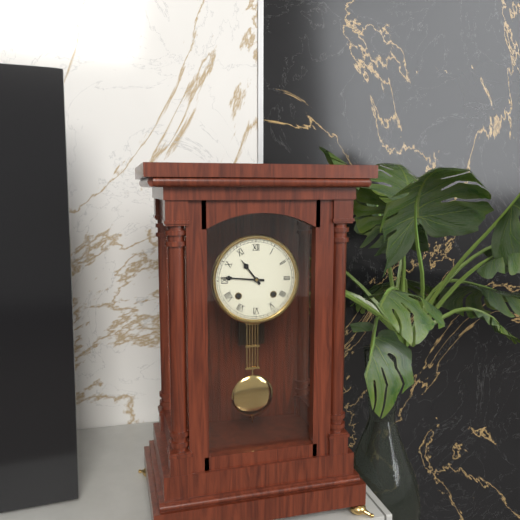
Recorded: 10 h 46 min
